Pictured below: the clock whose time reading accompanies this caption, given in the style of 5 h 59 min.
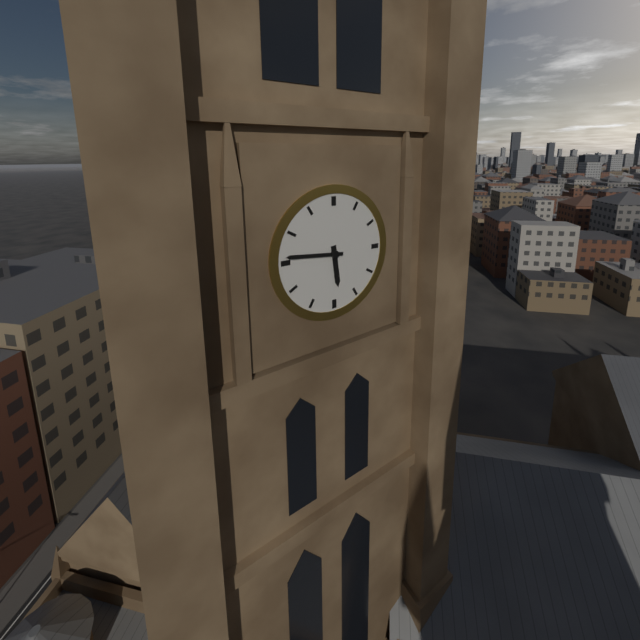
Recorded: 5 h 46 min
